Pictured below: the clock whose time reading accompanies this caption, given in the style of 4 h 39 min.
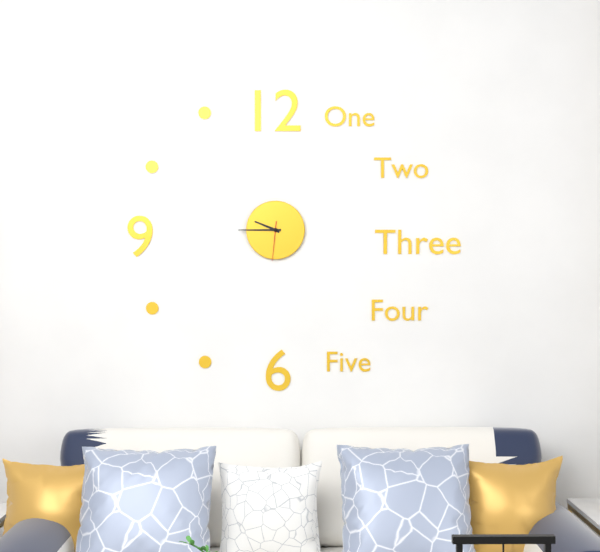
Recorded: 9 h 45 min
